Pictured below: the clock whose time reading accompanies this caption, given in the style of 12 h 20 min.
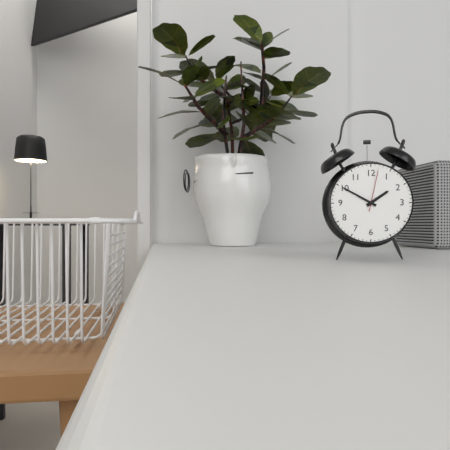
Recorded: 1 h 50 min
